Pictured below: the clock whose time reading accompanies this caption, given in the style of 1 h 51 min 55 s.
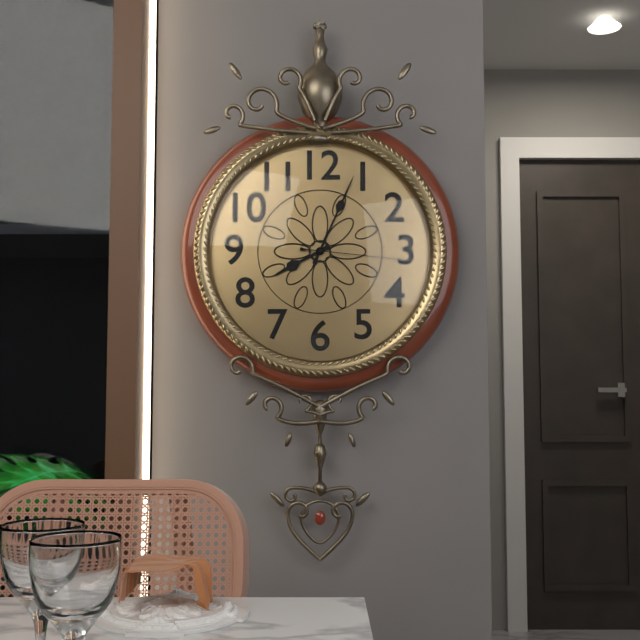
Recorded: 8 h 04 min 16 s
